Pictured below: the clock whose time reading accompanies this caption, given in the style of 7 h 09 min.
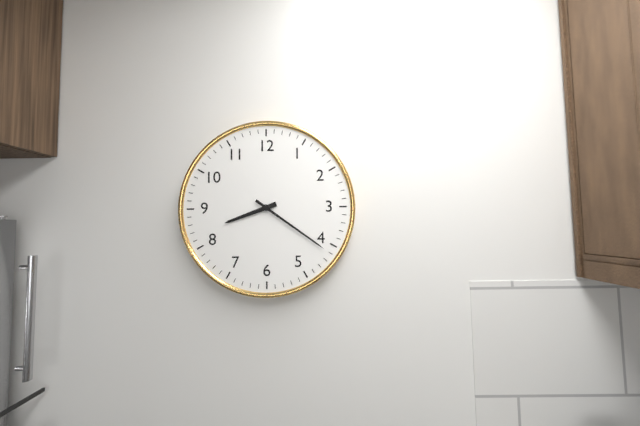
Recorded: 8 h 21 min
